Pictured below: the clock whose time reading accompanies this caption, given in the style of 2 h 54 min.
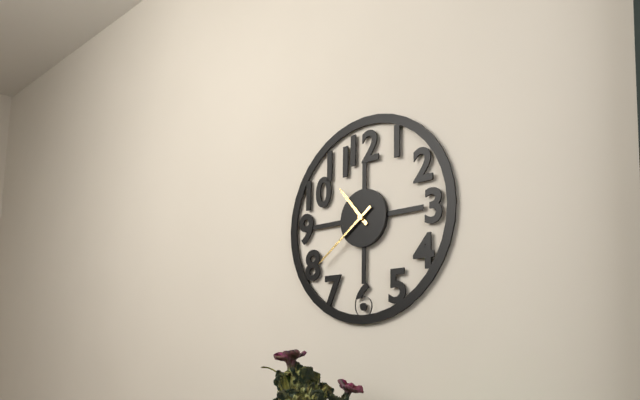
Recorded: 10 h 39 min
